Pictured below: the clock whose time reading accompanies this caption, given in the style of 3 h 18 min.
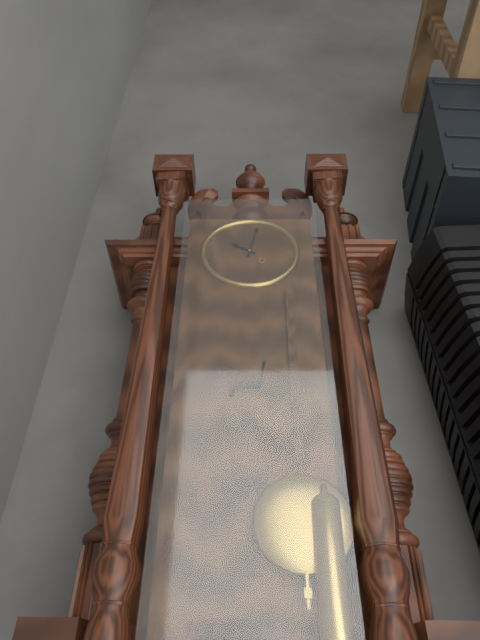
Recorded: 10 h 02 min
